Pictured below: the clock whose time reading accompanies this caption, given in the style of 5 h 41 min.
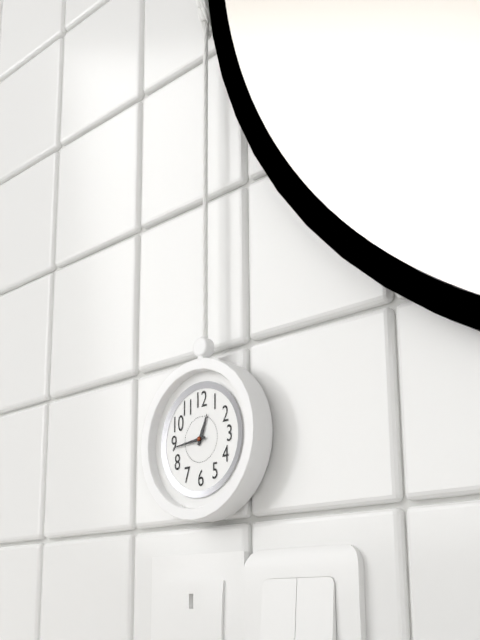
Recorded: 12 h 44 min
